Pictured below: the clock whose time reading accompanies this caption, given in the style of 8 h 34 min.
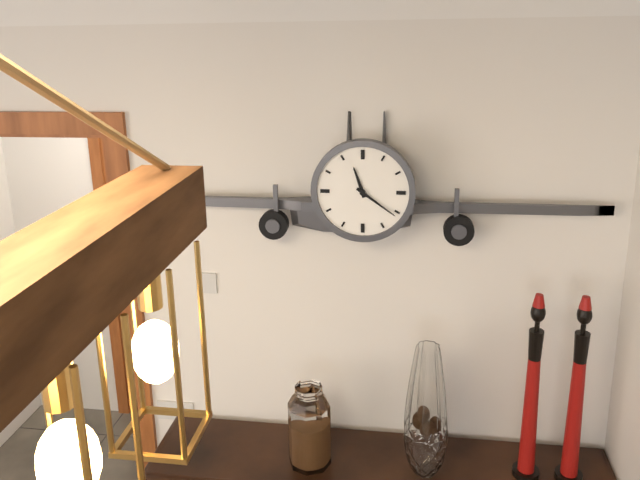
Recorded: 11 h 21 min
